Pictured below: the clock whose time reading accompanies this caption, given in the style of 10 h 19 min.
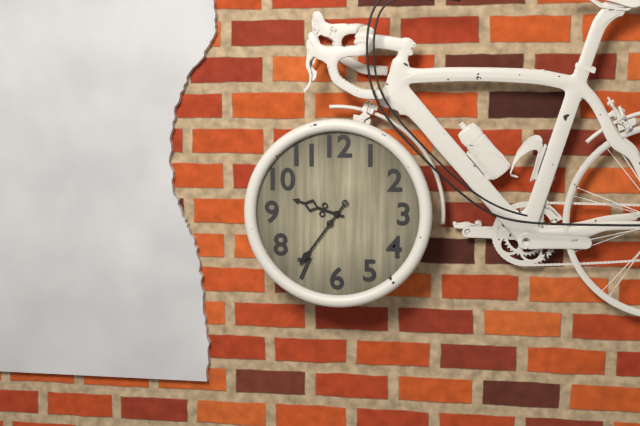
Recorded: 9 h 36 min
